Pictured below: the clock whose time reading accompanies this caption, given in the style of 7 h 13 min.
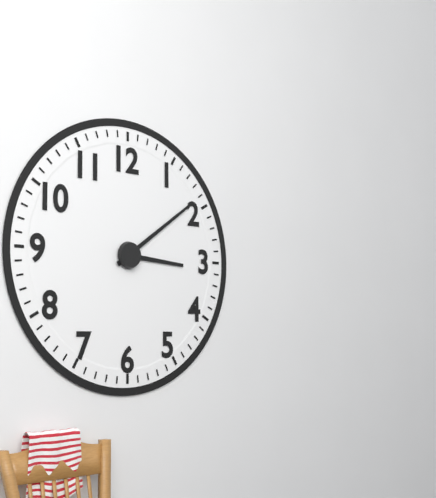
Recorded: 3 h 09 min
